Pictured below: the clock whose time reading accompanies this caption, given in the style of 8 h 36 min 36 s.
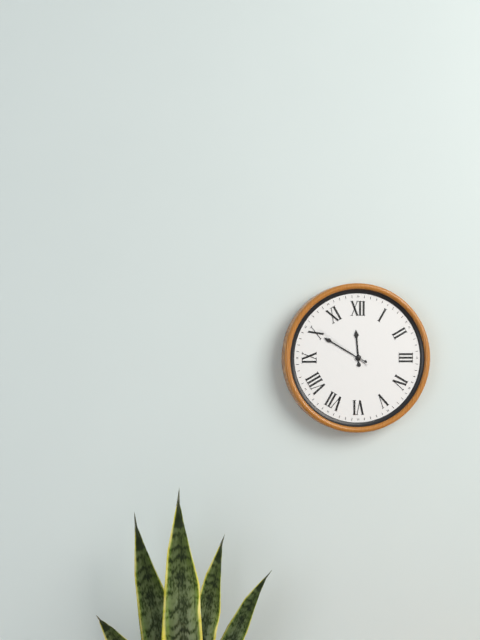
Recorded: 11 h 50 min 51 s
